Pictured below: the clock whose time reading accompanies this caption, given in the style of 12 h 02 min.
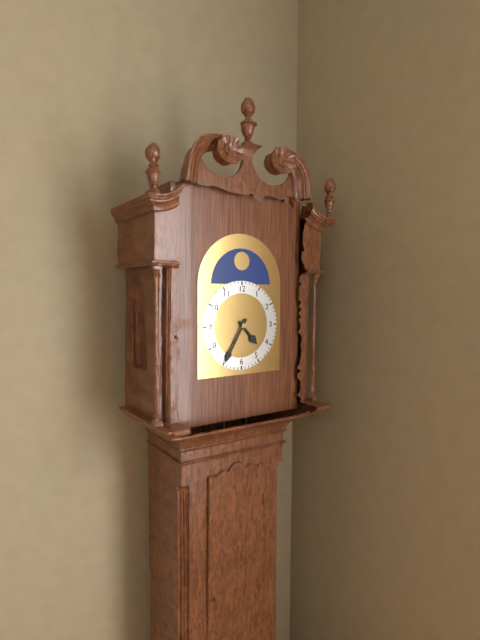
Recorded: 4 h 35 min
